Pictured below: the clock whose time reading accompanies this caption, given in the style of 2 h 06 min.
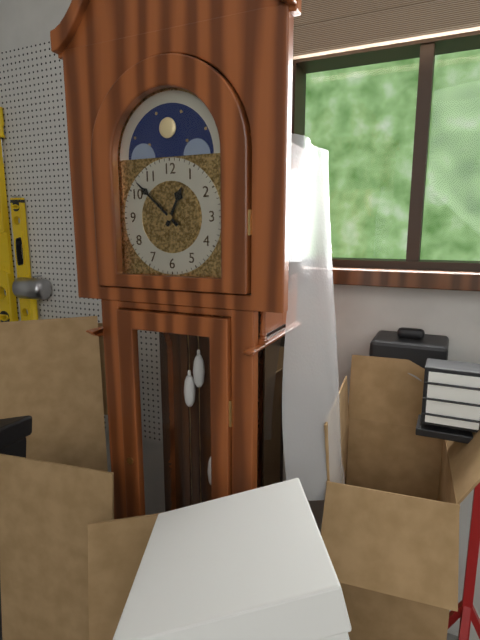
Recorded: 12 h 52 min
